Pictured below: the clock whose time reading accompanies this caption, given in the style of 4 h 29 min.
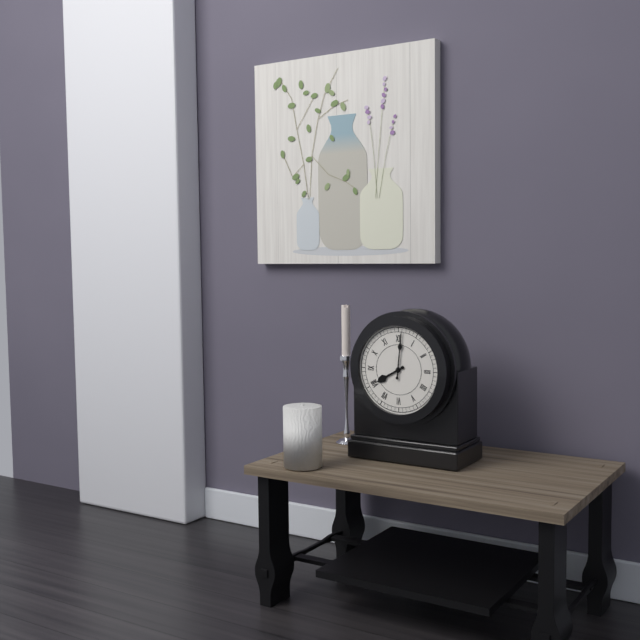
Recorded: 8 h 01 min
